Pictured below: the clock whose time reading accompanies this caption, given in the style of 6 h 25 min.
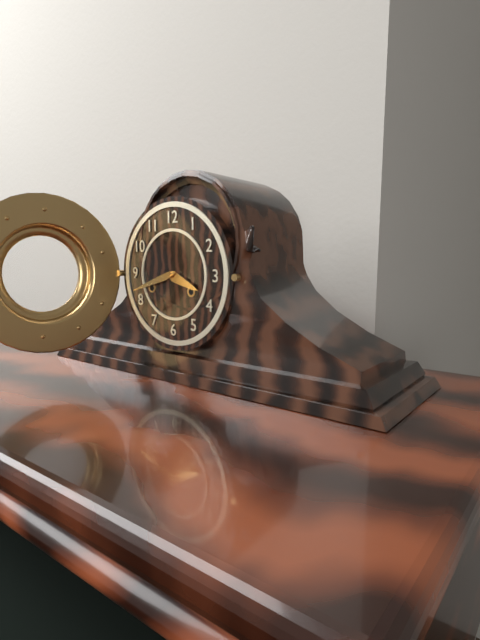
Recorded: 3 h 42 min
